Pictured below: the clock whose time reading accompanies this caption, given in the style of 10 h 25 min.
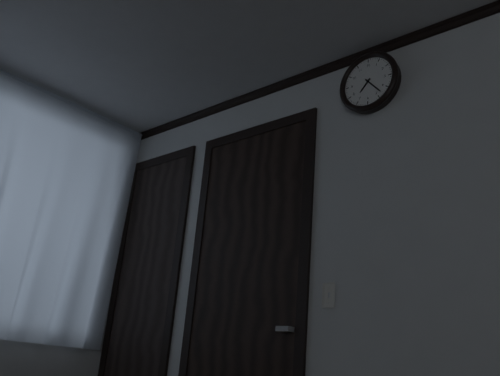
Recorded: 7 h 23 min
